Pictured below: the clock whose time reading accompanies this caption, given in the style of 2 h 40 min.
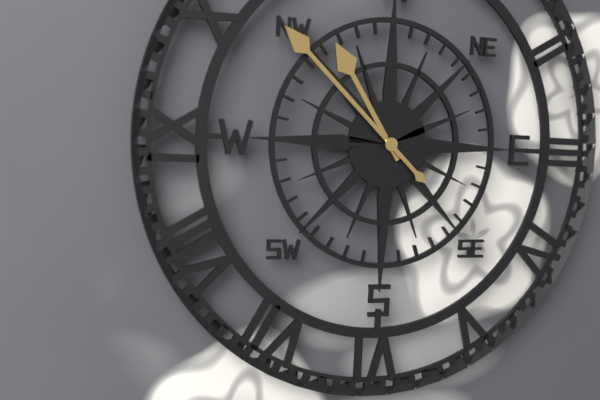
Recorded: 10 h 52 min
